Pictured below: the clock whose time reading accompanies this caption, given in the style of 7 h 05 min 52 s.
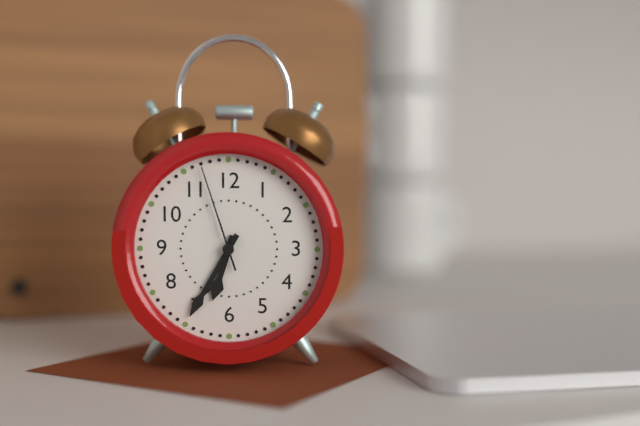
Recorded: 6 h 35 min 57 s
